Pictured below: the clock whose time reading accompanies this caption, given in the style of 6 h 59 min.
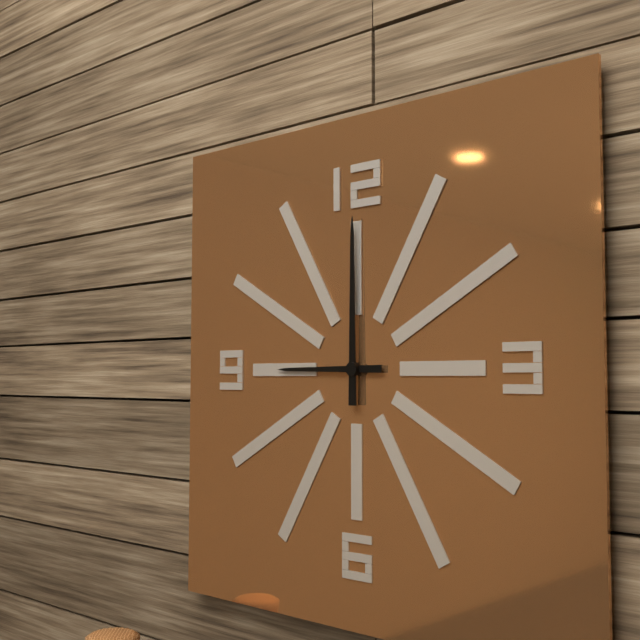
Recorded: 9 h 00 min
